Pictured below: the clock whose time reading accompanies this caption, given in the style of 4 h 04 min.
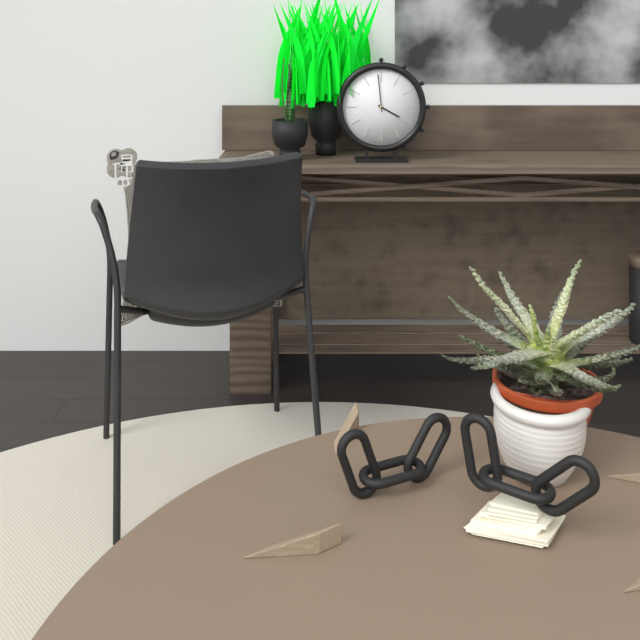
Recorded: 3 h 59 min
